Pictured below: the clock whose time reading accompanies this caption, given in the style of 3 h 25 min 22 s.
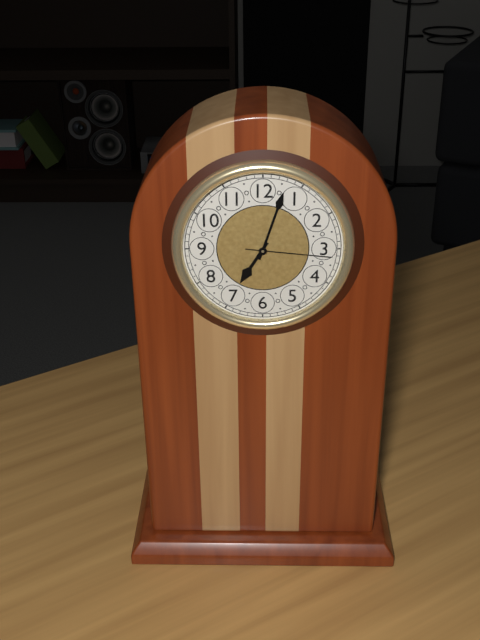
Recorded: 7 h 03 min 16 s
